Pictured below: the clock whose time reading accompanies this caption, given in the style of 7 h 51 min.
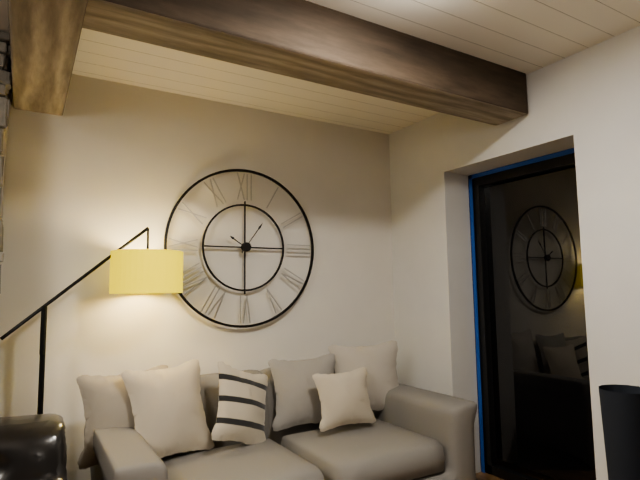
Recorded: 10 h 06 min
